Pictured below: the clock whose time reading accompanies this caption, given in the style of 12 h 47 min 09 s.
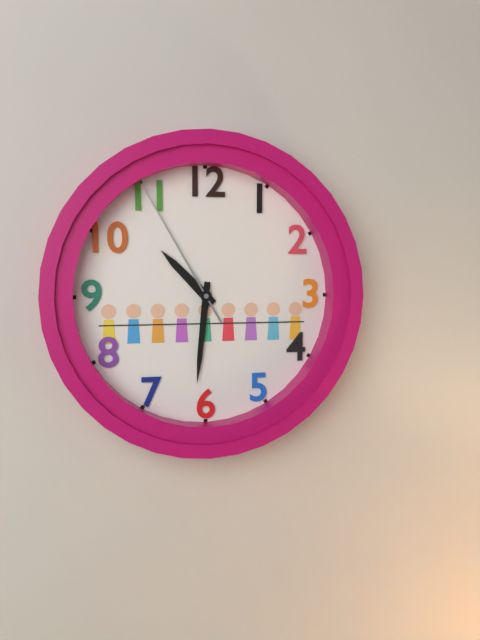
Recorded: 10 h 31 min 55 s
